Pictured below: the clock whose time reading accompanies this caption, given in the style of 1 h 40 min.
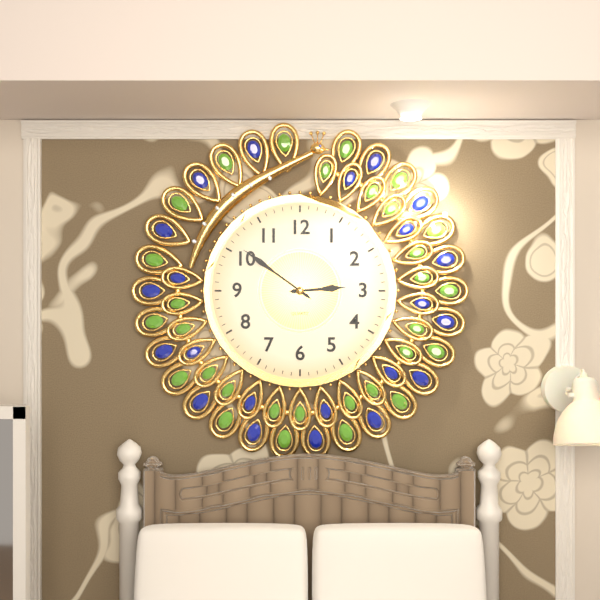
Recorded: 2 h 51 min
